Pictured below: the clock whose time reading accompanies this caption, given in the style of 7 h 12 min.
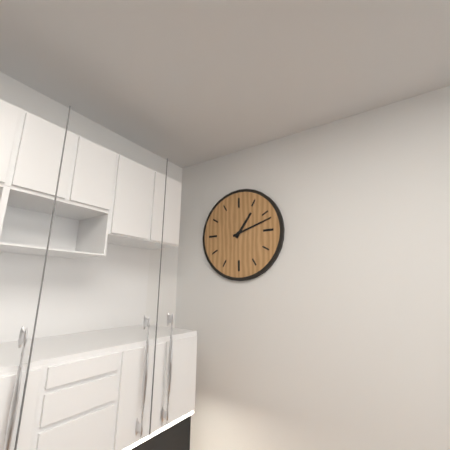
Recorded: 1 h 12 min
